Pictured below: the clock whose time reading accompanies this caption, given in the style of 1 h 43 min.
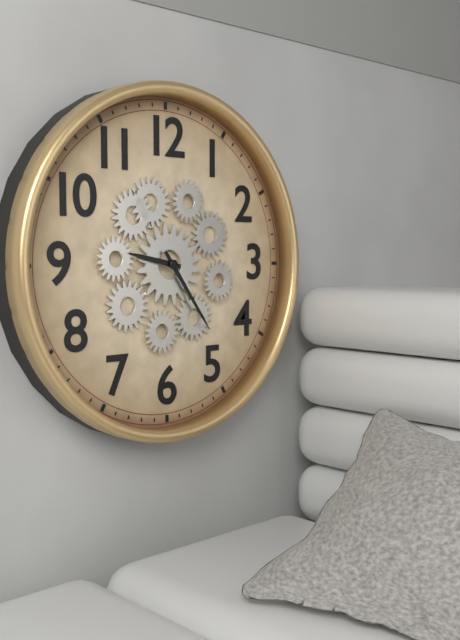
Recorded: 9 h 24 min
